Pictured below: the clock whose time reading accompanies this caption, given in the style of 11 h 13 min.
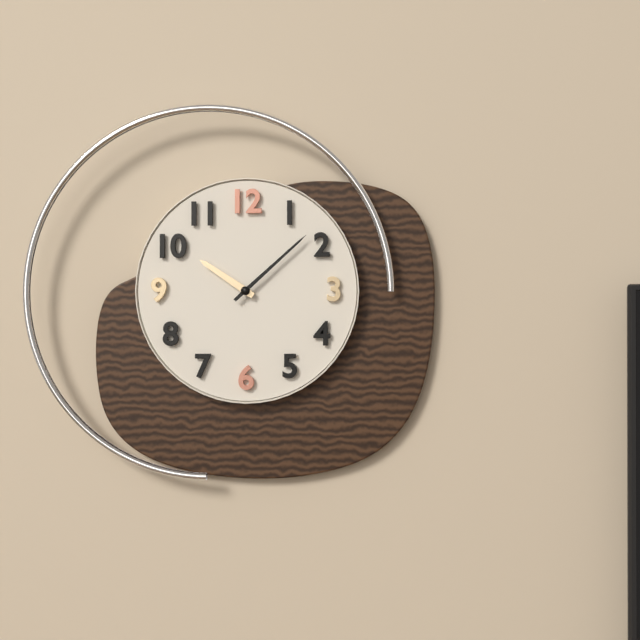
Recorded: 10 h 08 min
